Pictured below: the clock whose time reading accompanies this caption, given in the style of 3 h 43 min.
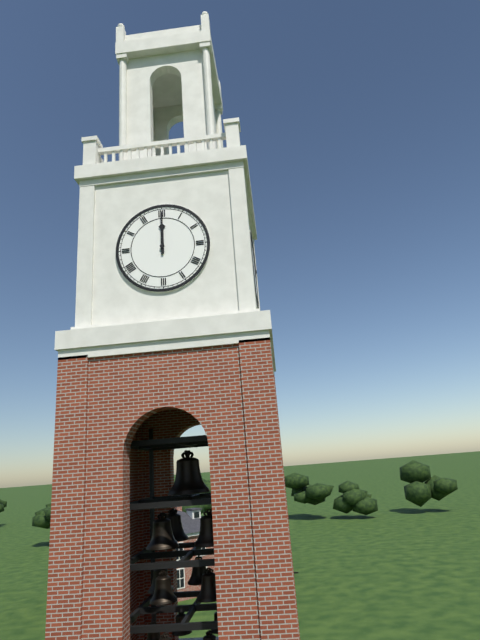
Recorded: 12 h 00 min
